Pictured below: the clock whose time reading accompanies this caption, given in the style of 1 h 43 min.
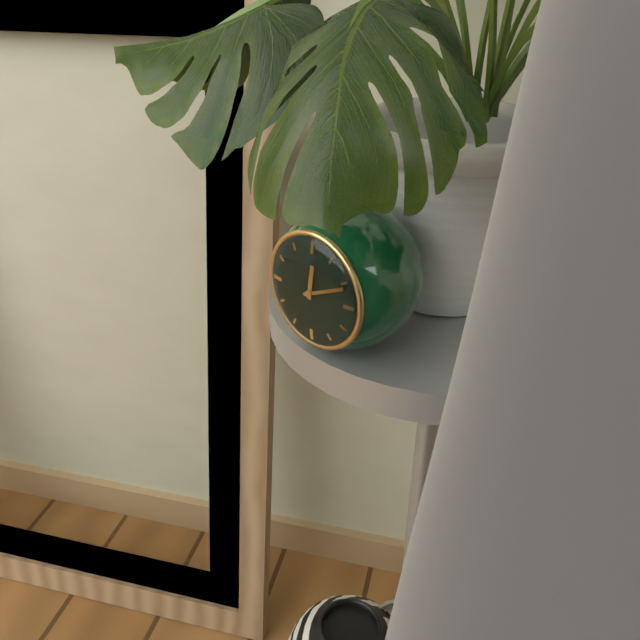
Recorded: 12 h 11 min
